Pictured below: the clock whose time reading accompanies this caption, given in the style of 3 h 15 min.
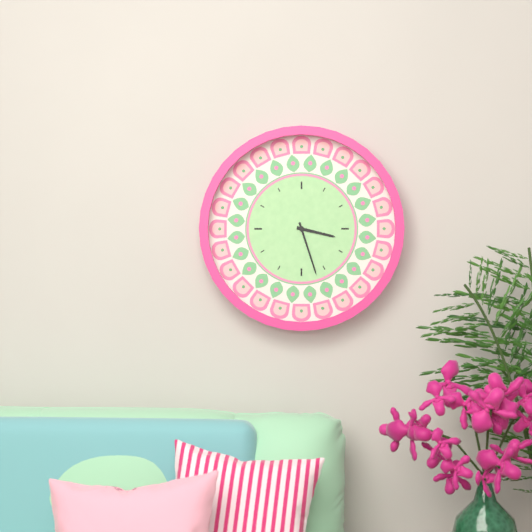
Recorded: 3 h 27 min
